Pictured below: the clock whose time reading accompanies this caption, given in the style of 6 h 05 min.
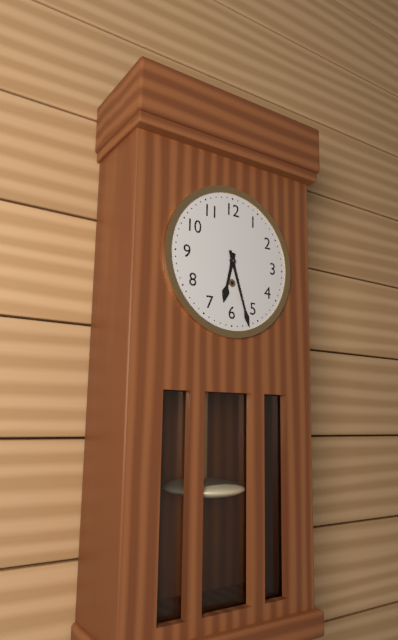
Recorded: 6 h 27 min
